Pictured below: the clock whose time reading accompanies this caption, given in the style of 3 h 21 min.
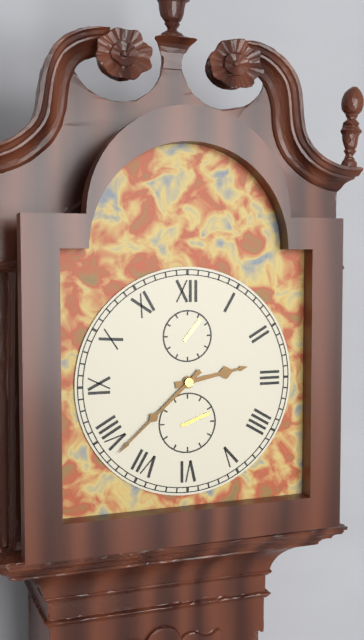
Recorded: 2 h 38 min
